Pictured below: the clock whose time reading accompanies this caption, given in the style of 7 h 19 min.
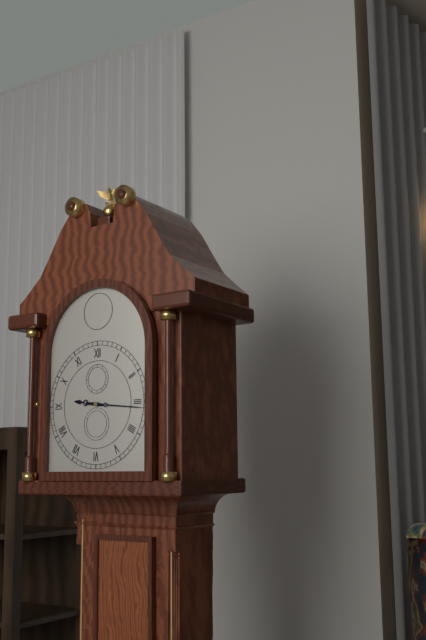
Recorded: 9 h 16 min
